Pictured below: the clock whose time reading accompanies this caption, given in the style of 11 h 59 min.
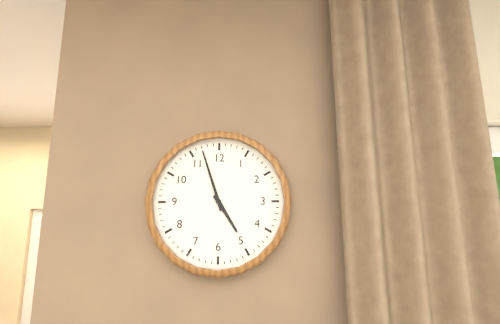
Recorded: 4 h 57 min
